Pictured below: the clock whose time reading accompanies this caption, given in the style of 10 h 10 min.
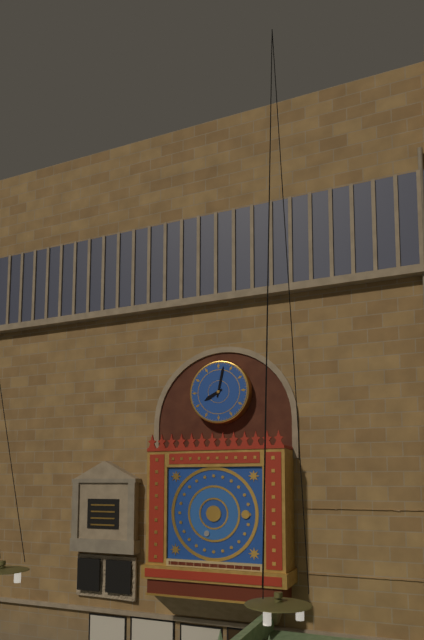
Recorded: 8 h 02 min
